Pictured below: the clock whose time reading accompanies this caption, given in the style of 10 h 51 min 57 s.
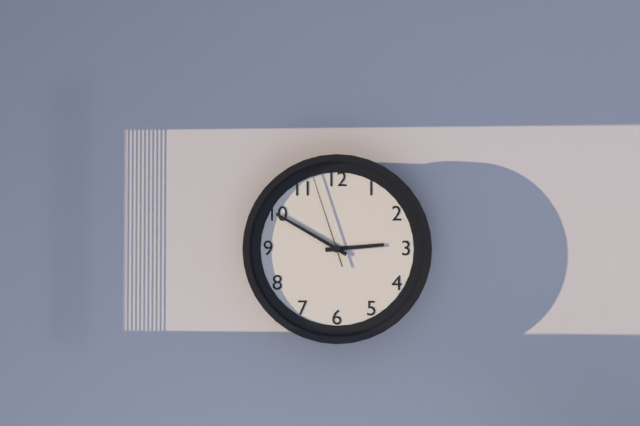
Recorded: 2 h 50 min 57 s
